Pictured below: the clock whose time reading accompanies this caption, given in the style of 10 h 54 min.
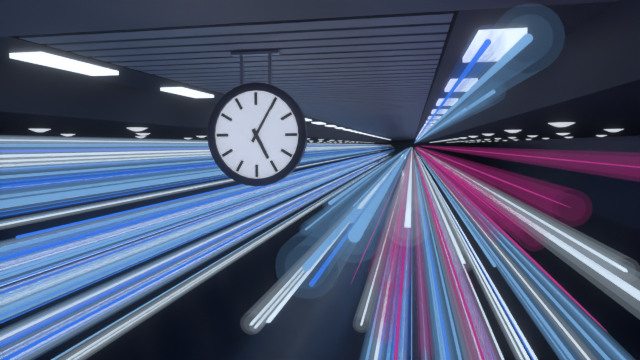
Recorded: 5 h 05 min
